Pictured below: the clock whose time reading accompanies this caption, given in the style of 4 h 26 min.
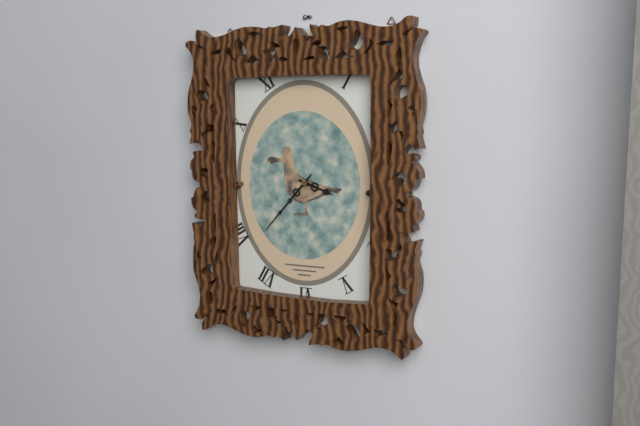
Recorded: 3 h 37 min
